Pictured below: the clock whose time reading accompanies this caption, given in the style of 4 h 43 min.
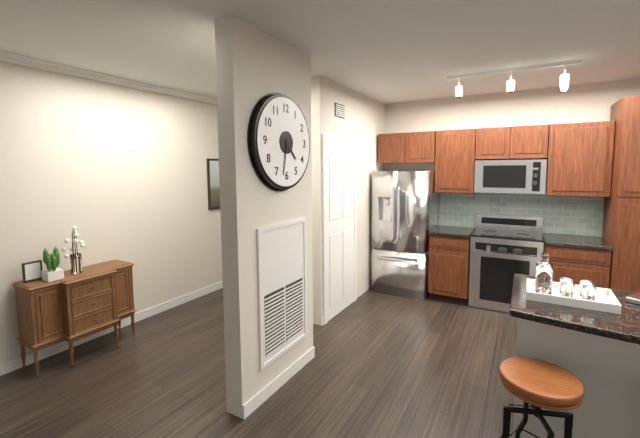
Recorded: 4 h 32 min
